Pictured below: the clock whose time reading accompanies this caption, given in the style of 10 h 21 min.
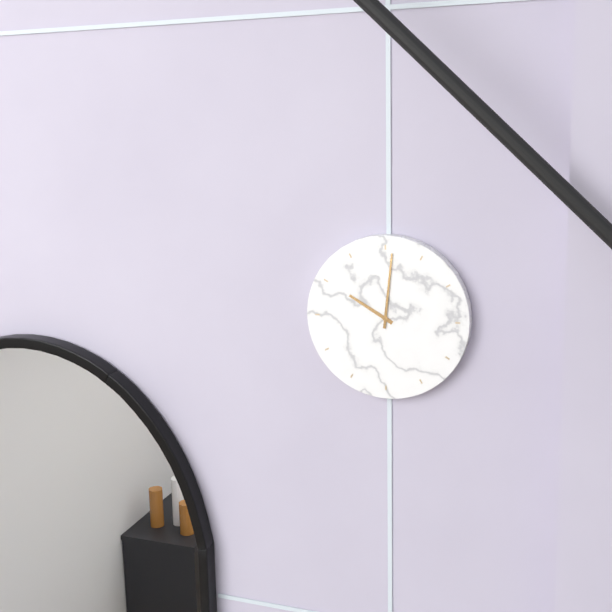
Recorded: 10 h 01 min
